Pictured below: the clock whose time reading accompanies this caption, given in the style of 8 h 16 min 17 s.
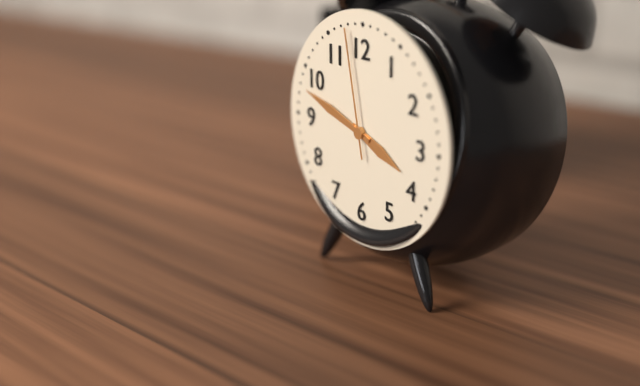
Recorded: 3 h 48 min 58 s
